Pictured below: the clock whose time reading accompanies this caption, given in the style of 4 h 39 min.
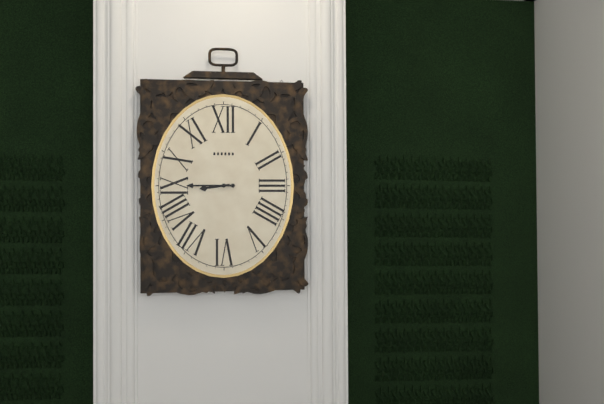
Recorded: 8 h 45 min
